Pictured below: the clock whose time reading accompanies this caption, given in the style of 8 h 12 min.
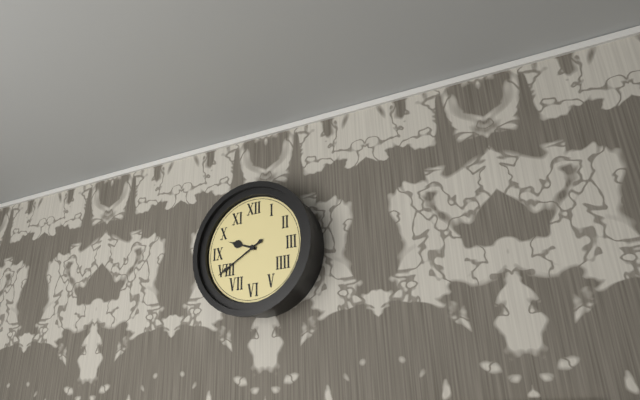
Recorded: 9 h 40 min
